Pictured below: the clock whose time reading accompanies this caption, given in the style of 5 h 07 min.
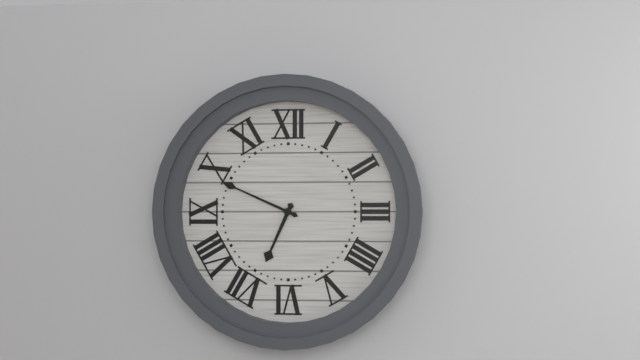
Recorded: 6 h 49 min
